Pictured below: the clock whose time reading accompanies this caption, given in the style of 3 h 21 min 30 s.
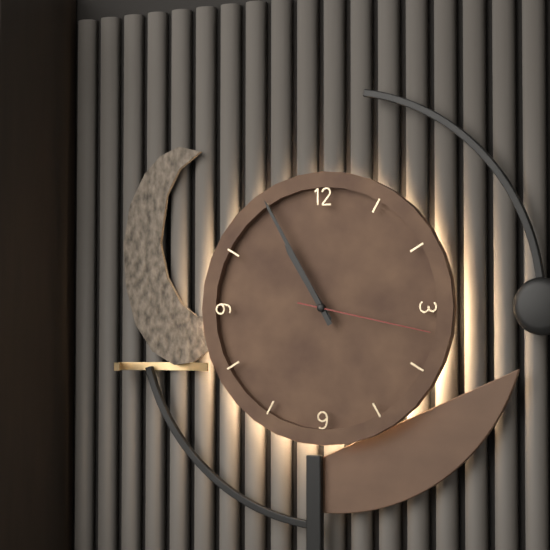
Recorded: 10 h 55 min 17 s
